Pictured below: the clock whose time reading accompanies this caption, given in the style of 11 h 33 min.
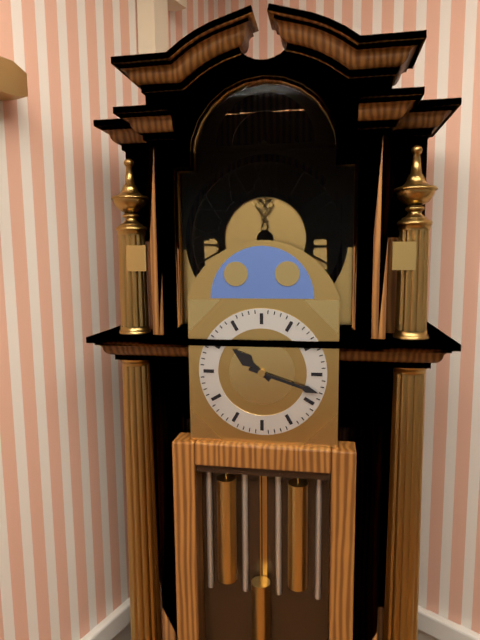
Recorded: 10 h 18 min
